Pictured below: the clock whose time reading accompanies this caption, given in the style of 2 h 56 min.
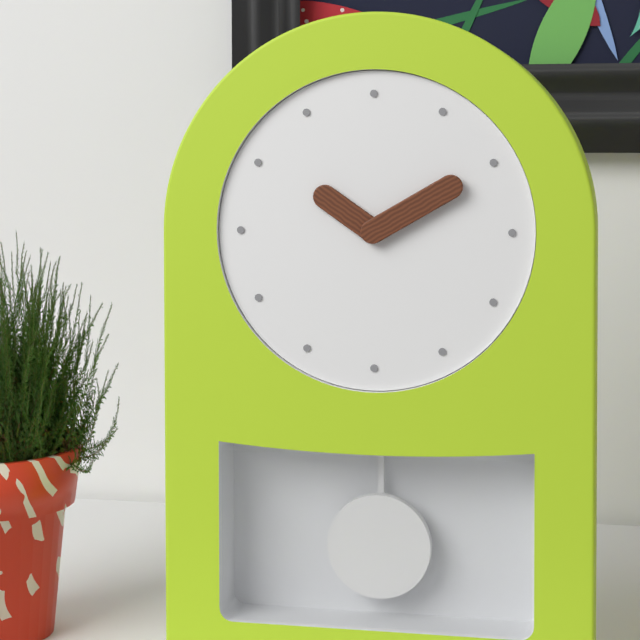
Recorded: 10 h 10 min
